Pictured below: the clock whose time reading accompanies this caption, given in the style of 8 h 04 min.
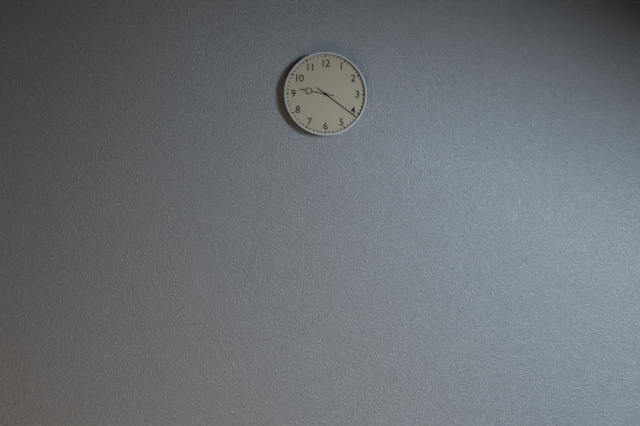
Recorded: 9 h 21 min
